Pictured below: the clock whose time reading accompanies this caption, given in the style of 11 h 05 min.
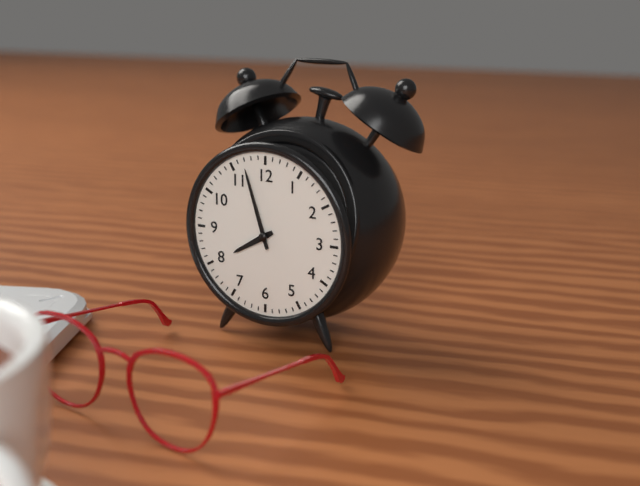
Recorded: 7 h 57 min
